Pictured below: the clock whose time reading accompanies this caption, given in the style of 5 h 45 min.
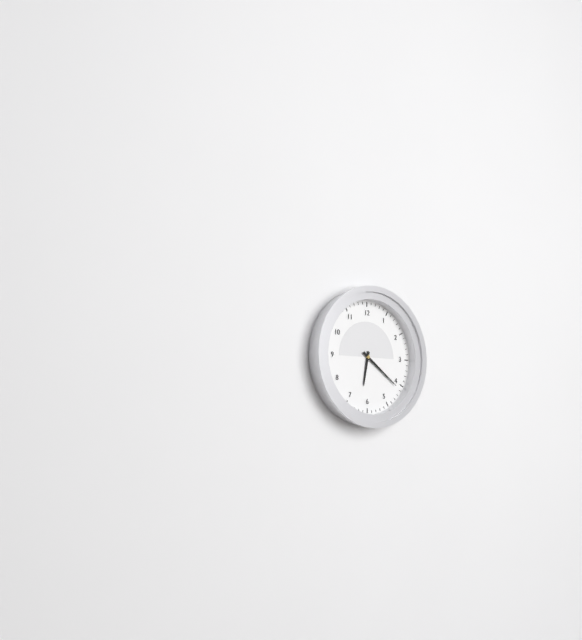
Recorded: 6 h 21 min
